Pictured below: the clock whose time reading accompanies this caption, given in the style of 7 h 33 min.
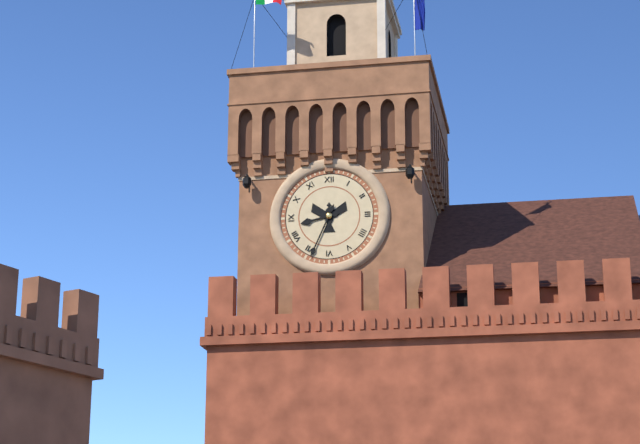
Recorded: 8 h 34 min
